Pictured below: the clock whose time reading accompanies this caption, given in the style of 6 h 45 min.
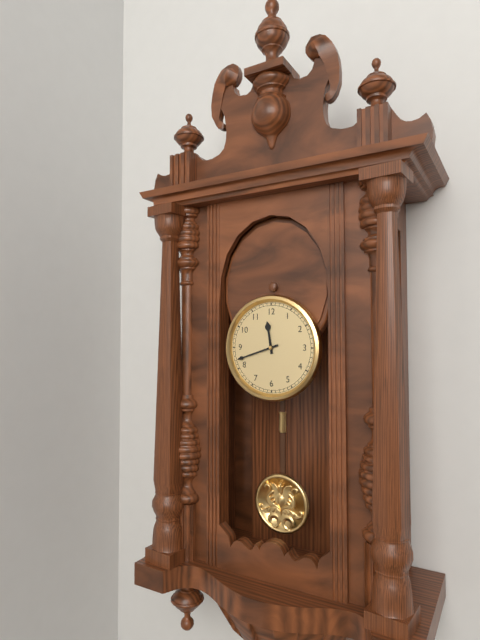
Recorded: 11 h 42 min
